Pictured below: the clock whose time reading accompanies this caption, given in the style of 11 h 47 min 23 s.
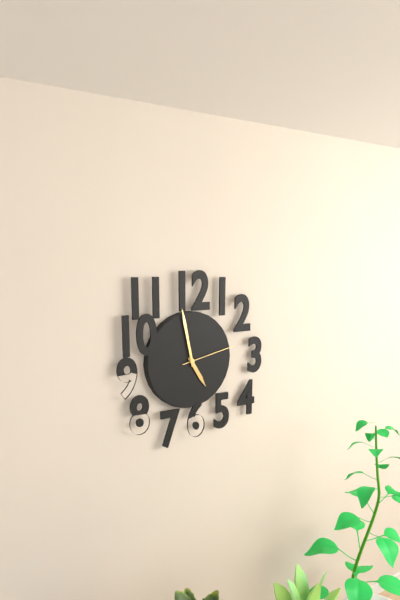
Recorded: 4 h 58 min 13 s
